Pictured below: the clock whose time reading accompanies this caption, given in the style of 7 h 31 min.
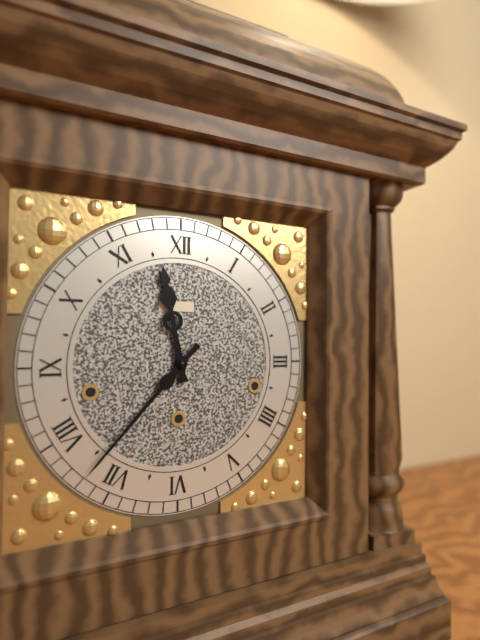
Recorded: 11 h 37 min
